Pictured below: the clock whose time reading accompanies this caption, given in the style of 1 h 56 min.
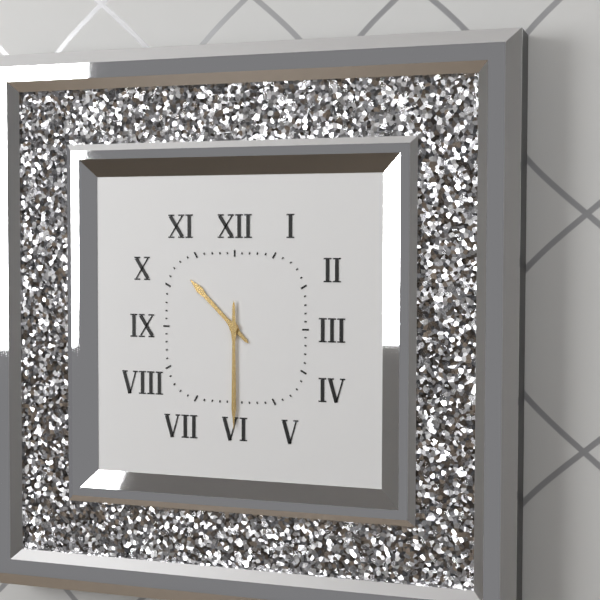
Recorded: 10 h 30 min
